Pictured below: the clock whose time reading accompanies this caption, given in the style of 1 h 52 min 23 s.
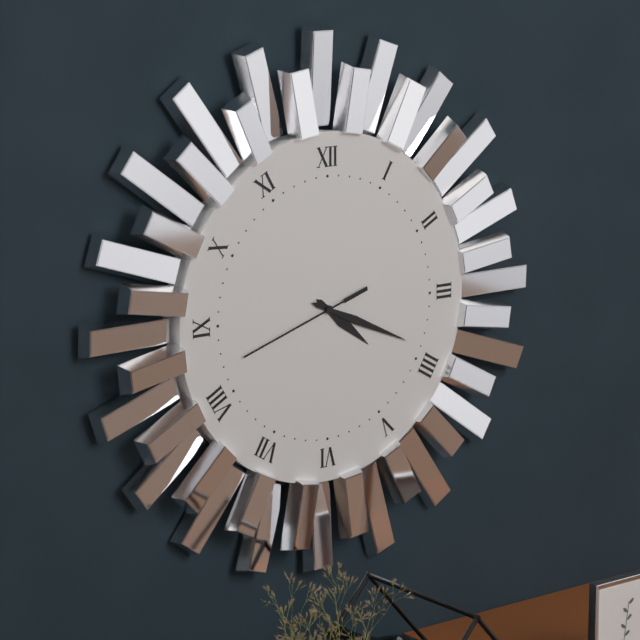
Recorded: 4 h 19 min 42 s
